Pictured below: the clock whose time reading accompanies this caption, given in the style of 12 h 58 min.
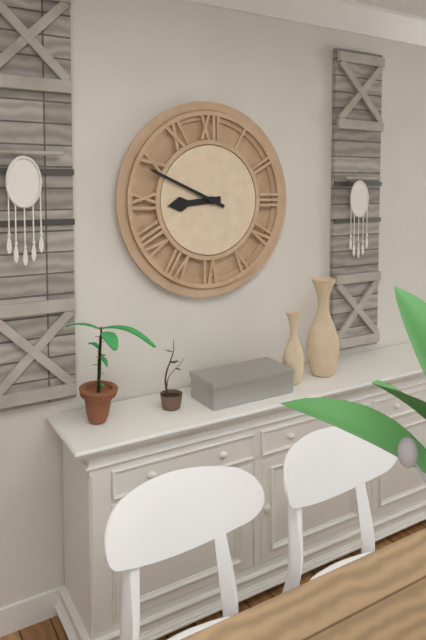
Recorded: 8 h 49 min
